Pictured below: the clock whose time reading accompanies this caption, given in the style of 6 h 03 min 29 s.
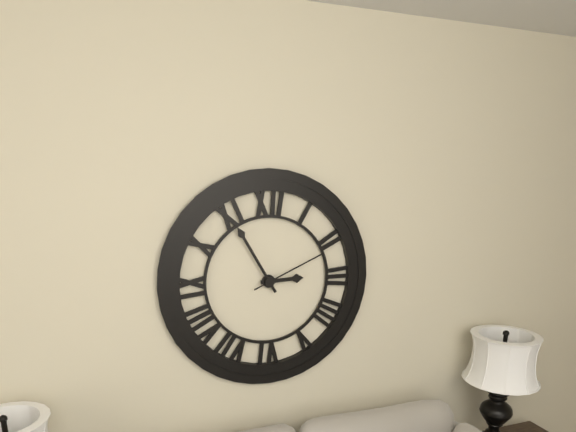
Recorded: 2 h 55 min 11 s
